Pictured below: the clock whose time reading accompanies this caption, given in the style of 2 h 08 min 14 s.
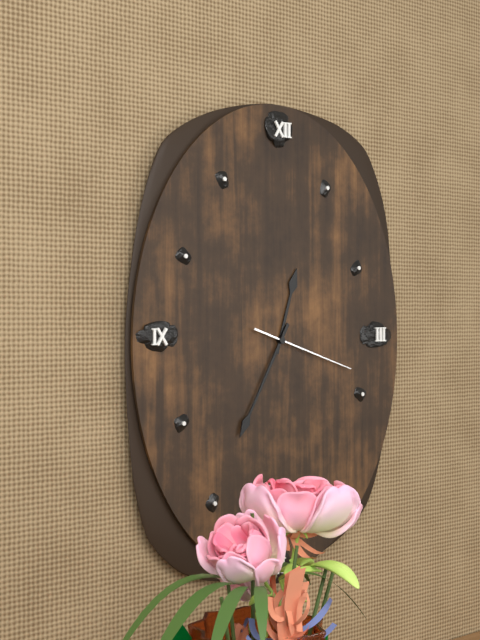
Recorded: 12 h 35 min 18 s
